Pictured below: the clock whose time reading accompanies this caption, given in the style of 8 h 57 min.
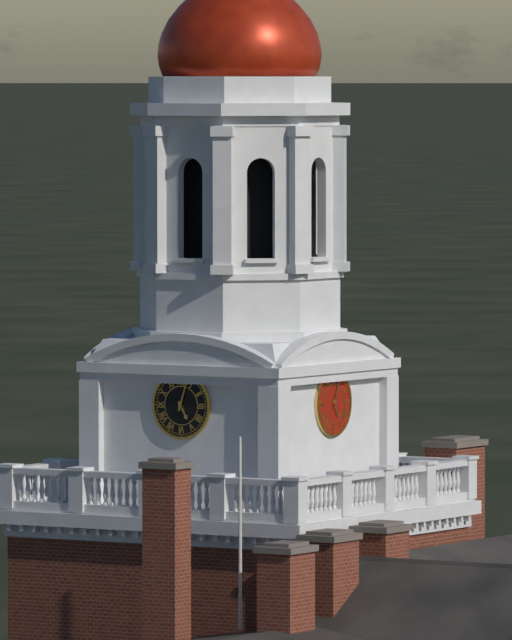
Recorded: 5 h 03 min
